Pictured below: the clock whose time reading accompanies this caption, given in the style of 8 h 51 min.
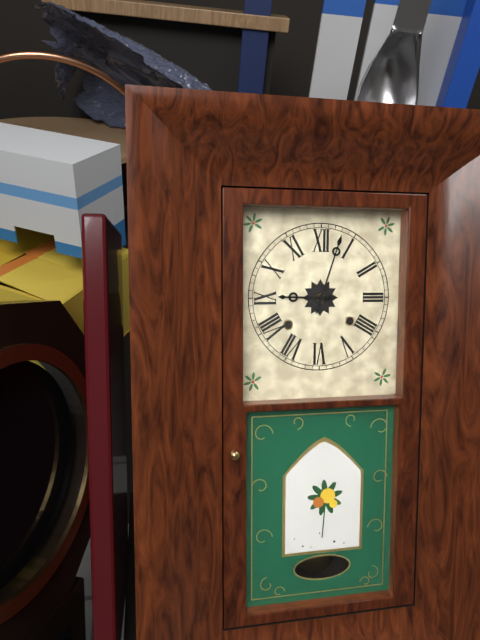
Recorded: 9 h 03 min
